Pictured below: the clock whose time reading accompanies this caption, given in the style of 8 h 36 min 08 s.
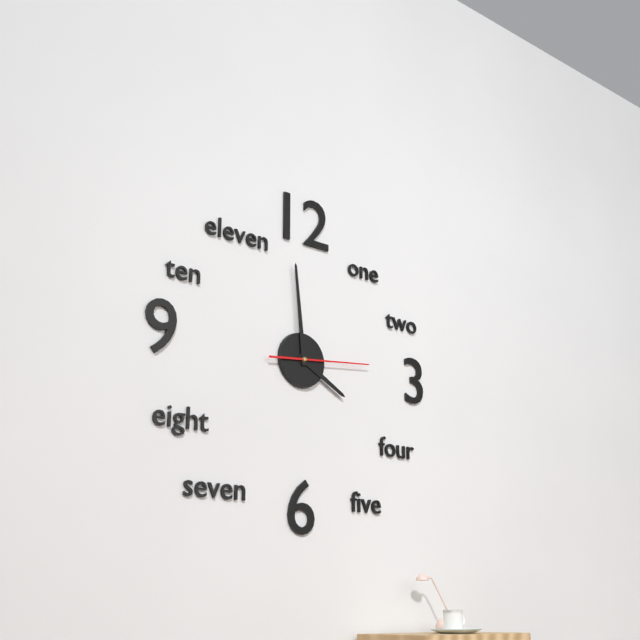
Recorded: 3 h 59 min 14 s
